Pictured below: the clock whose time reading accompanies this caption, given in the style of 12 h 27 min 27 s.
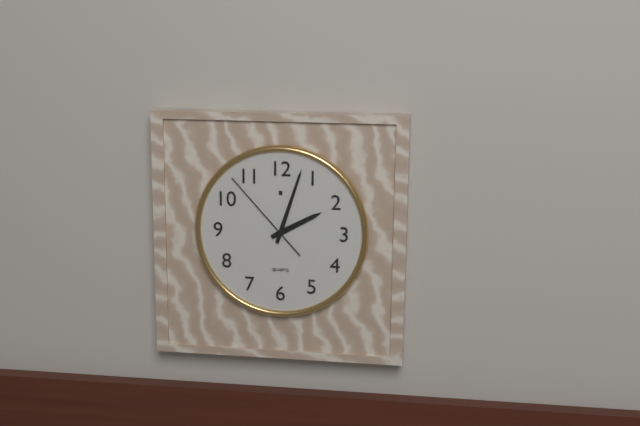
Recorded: 2 h 03 min 53 s
